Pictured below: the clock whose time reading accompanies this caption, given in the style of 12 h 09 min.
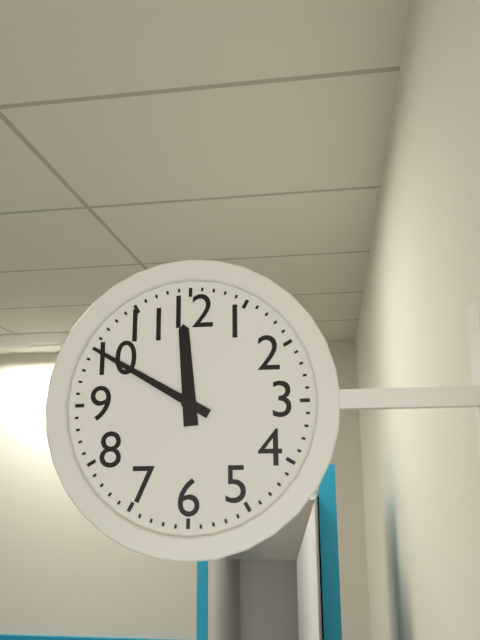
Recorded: 11 h 50 min
